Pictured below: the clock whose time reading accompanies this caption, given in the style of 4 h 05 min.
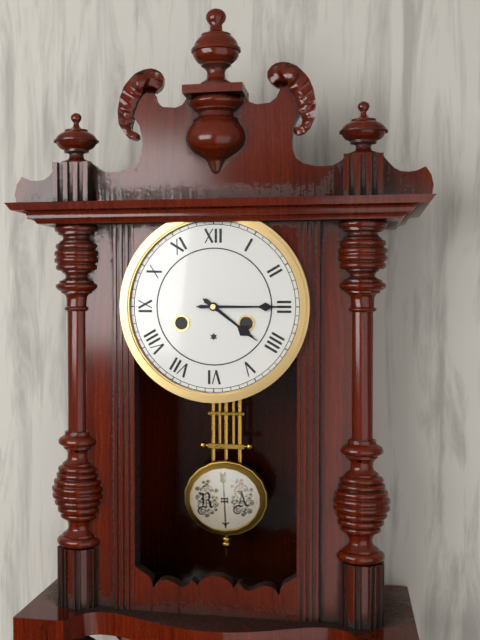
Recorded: 4 h 15 min
